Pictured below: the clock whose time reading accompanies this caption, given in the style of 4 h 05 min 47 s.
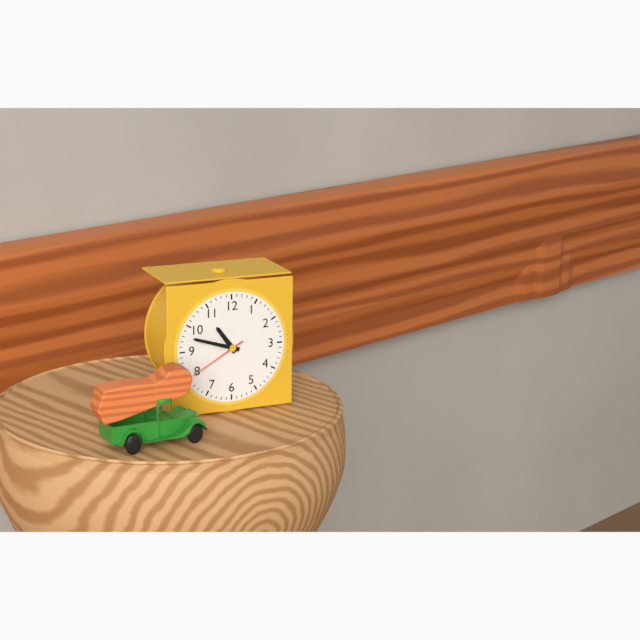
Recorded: 10 h 48 min 40 s
